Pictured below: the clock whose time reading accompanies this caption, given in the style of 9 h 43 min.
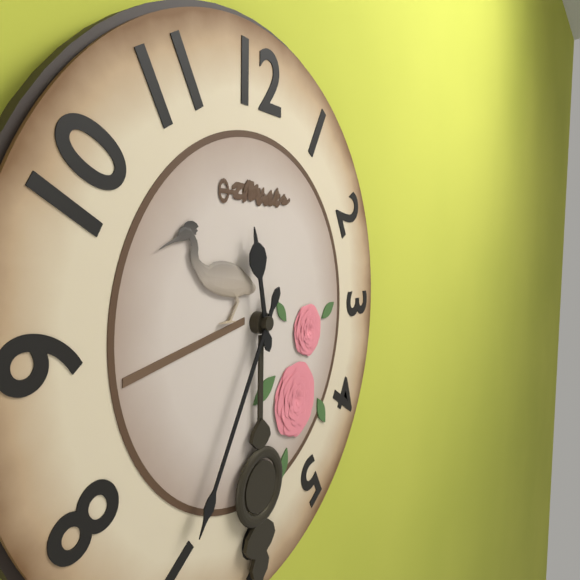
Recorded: 11 h 35 min
